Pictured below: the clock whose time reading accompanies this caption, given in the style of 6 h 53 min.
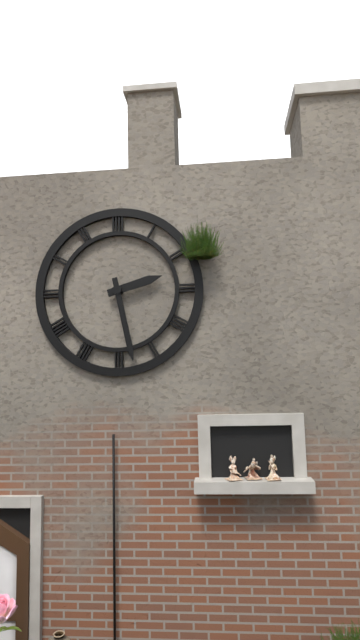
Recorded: 2 h 28 min
